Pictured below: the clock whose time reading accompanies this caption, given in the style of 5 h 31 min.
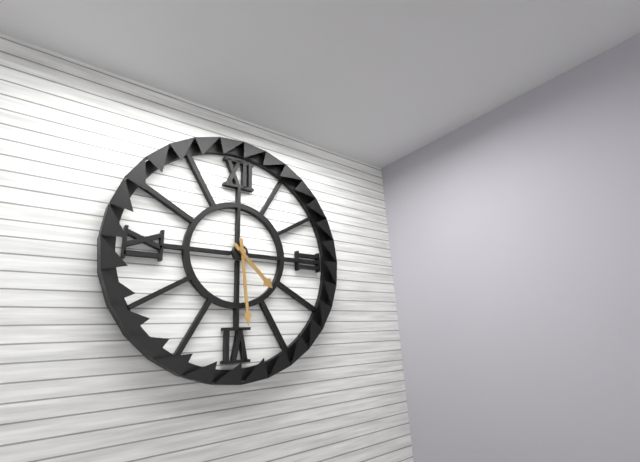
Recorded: 4 h 29 min
